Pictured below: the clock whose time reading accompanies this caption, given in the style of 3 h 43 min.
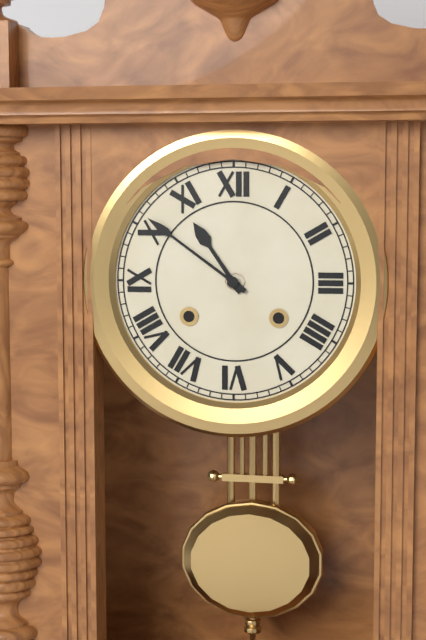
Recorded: 10 h 51 min
